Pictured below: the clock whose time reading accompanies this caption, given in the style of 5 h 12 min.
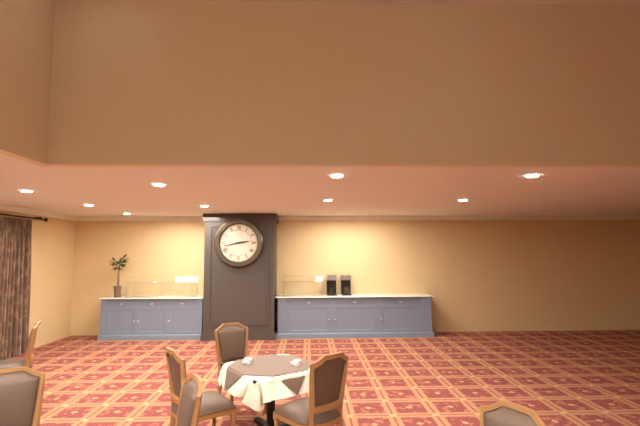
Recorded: 2 h 43 min
